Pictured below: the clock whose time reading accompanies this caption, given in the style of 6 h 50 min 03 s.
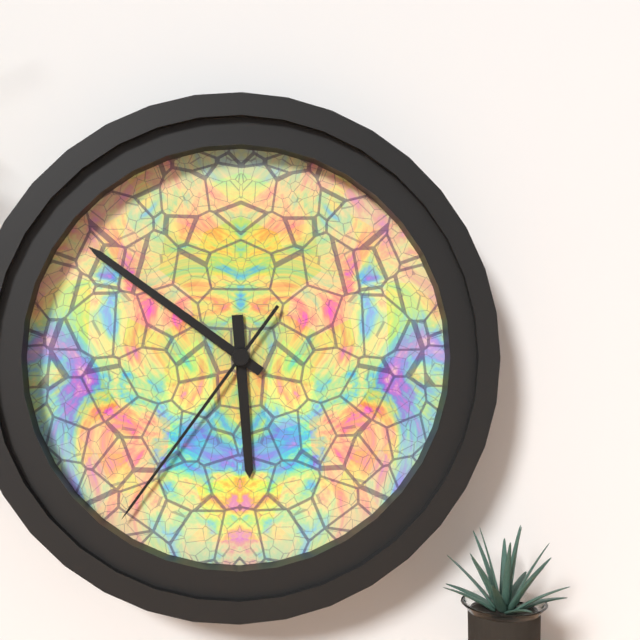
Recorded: 5 h 51 min 36 s
